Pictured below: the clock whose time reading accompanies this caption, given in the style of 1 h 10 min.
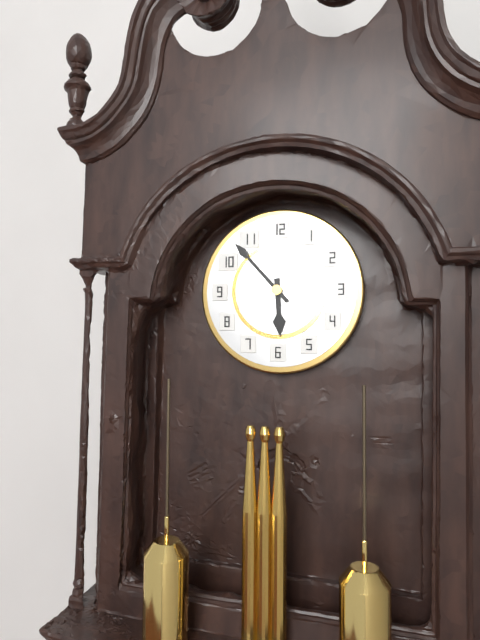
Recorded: 5 h 53 min
